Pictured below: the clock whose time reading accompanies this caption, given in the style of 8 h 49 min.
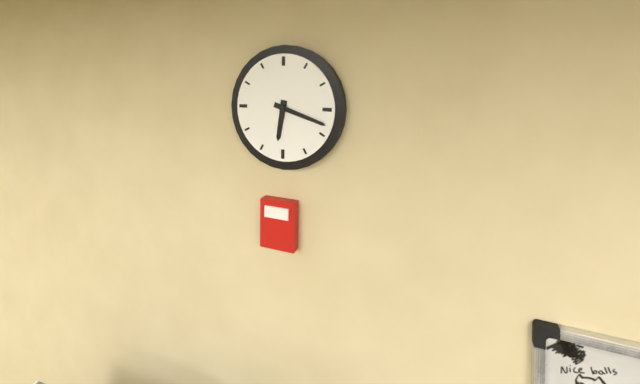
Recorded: 6 h 18 min
